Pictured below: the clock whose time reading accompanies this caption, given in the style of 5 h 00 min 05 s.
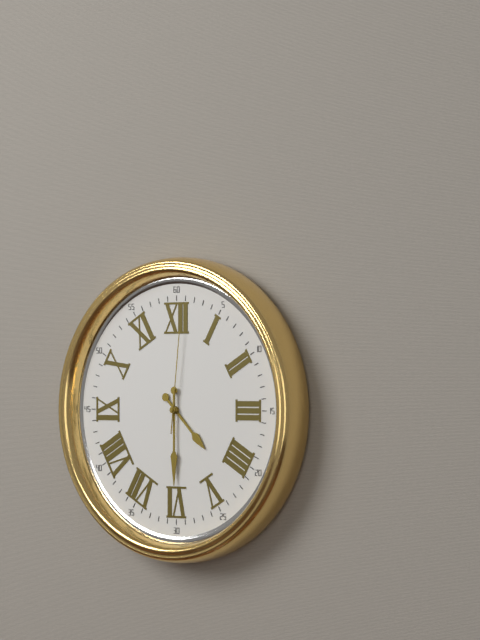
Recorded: 4 h 30 min 01 s
